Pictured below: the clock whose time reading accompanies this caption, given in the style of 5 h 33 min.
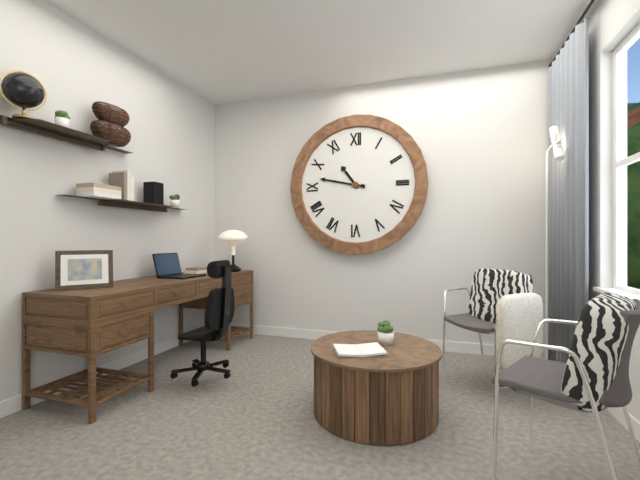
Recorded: 10 h 47 min
